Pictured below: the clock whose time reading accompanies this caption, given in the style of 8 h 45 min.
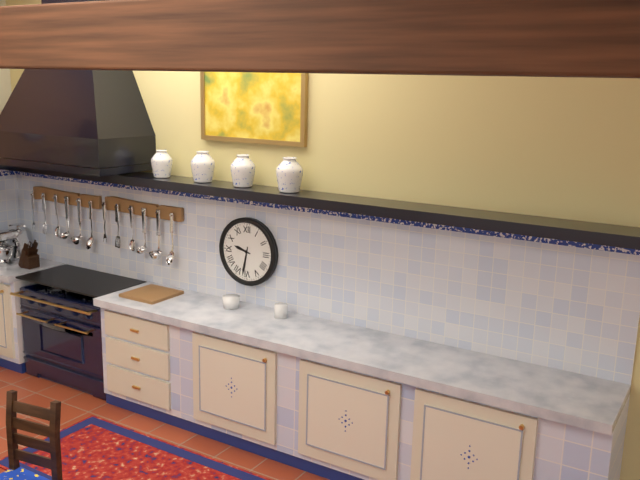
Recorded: 9 h 32 min
